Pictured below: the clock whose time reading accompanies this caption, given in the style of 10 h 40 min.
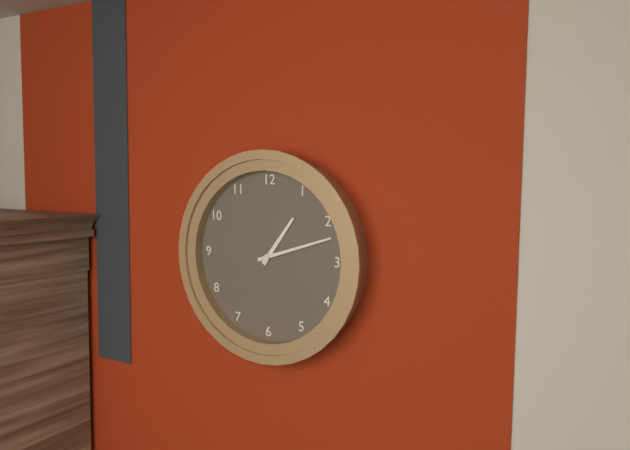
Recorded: 1 h 12 min
